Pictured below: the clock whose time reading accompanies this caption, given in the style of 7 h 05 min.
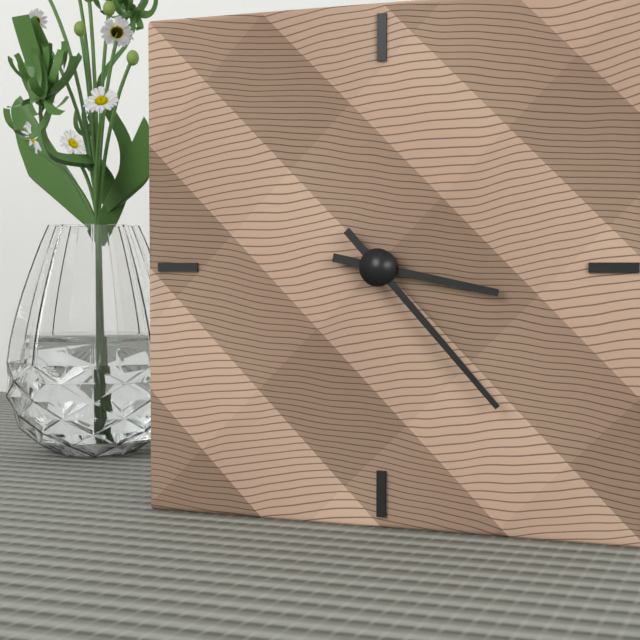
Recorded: 3 h 23 min
